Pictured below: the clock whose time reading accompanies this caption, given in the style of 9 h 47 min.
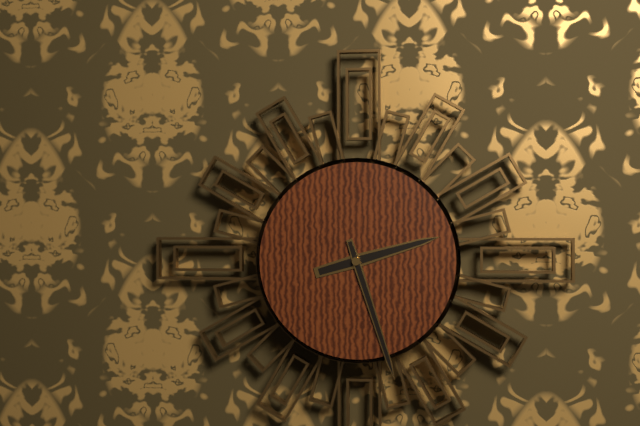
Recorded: 2 h 27 min
